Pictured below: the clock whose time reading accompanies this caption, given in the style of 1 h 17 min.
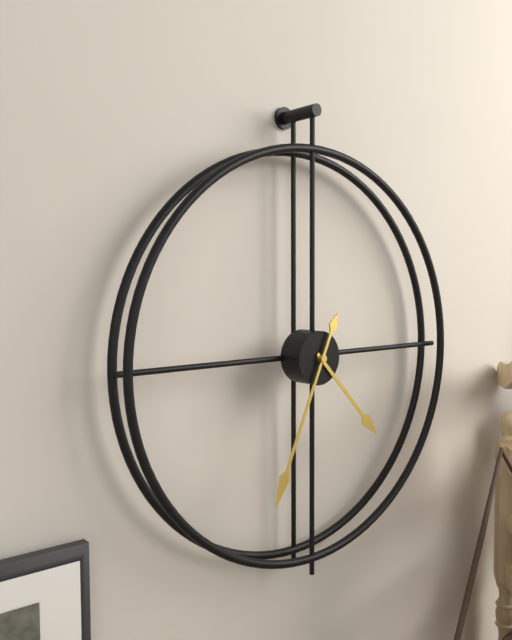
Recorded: 4 h 34 min
